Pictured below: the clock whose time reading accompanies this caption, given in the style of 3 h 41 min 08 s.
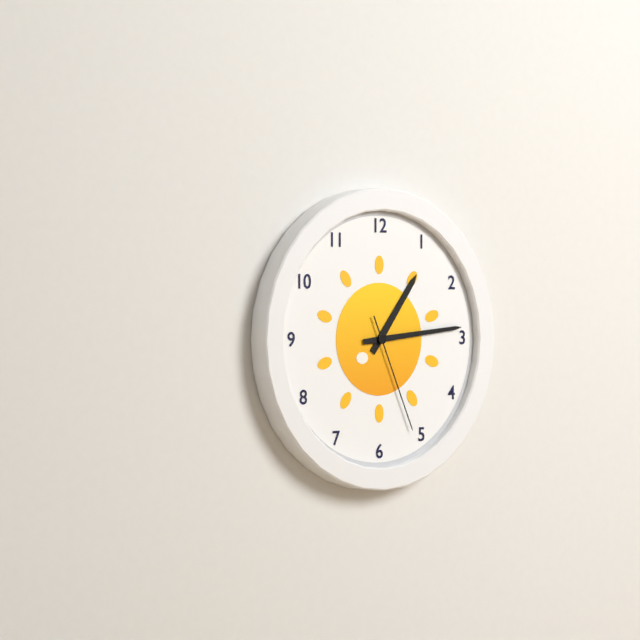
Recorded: 1 h 14 min 26 s
